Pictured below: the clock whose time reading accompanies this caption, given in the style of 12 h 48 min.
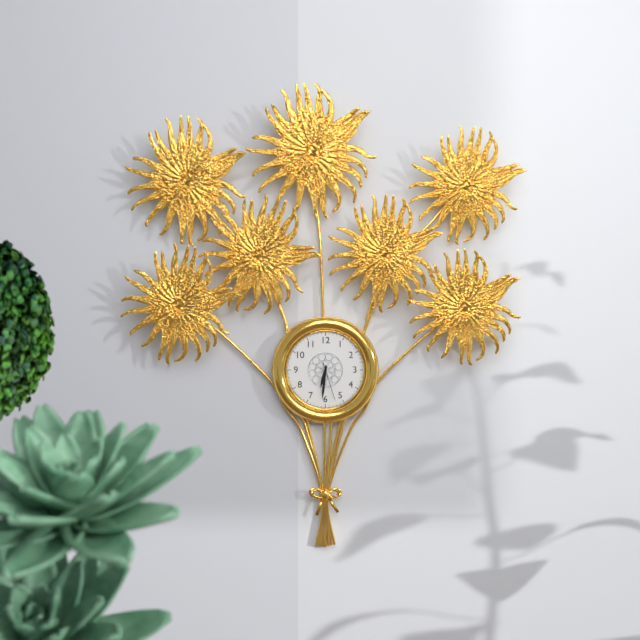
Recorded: 6 h 31 min
